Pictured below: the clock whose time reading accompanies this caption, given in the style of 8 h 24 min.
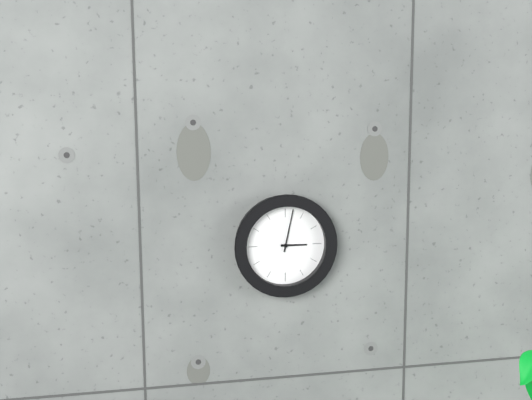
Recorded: 3 h 02 min
